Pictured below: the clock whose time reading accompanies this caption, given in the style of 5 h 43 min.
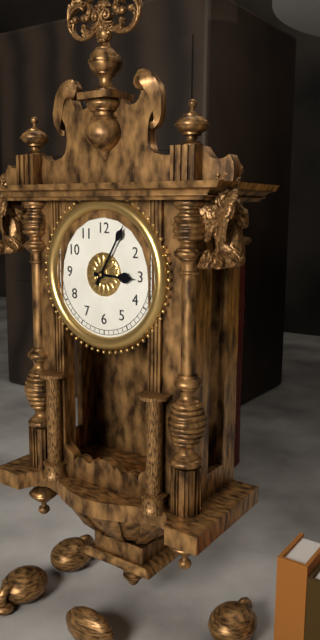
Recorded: 3 h 05 min
